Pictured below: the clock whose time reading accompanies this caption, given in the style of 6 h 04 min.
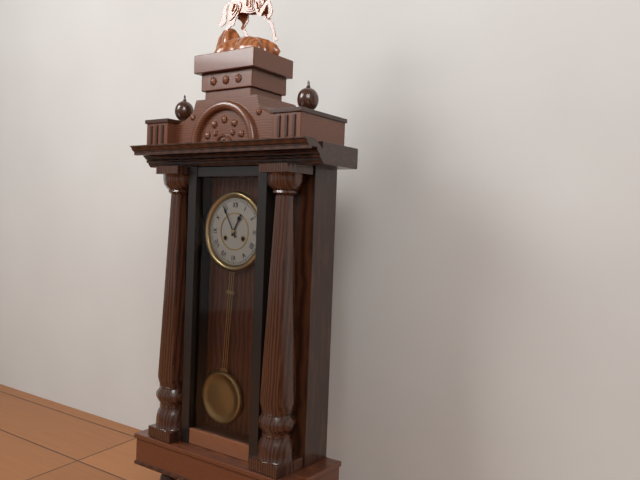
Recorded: 12 h 55 min
